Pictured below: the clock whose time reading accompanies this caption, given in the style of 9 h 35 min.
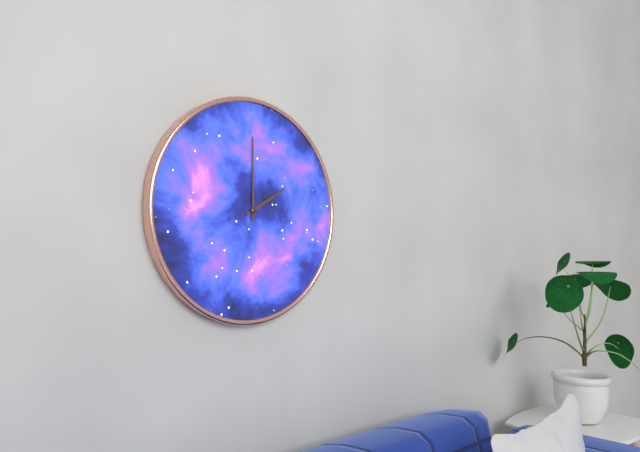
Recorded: 2 h 00 min
